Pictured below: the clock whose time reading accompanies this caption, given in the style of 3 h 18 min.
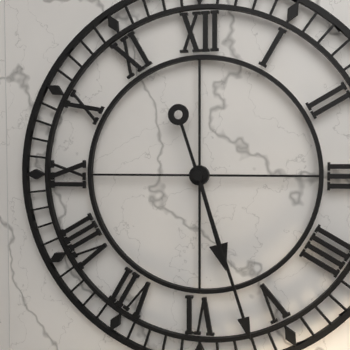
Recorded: 5 h 27 min
